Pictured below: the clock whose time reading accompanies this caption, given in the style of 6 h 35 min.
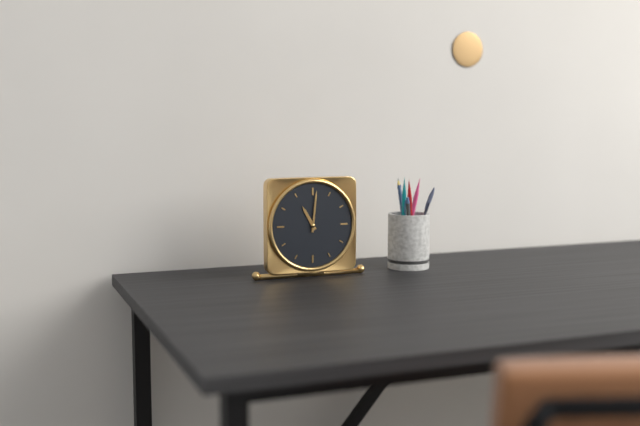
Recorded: 11 h 01 min
